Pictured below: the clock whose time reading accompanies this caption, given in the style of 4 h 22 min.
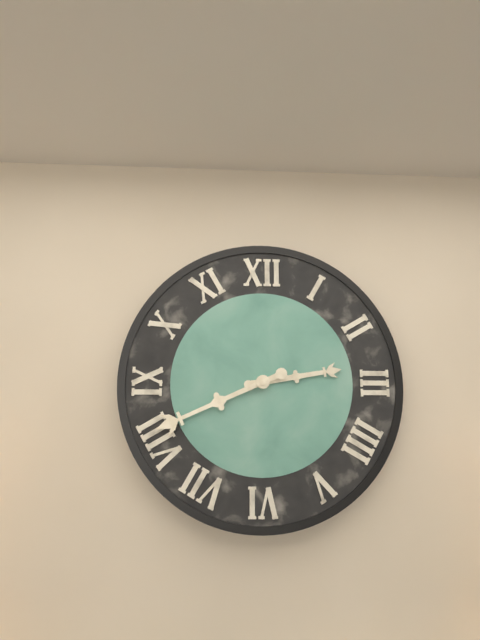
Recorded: 2 h 41 min
